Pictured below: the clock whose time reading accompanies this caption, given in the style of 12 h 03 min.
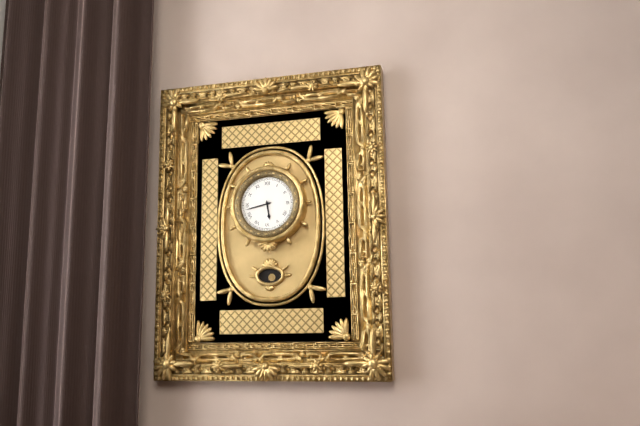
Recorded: 5 h 43 min
